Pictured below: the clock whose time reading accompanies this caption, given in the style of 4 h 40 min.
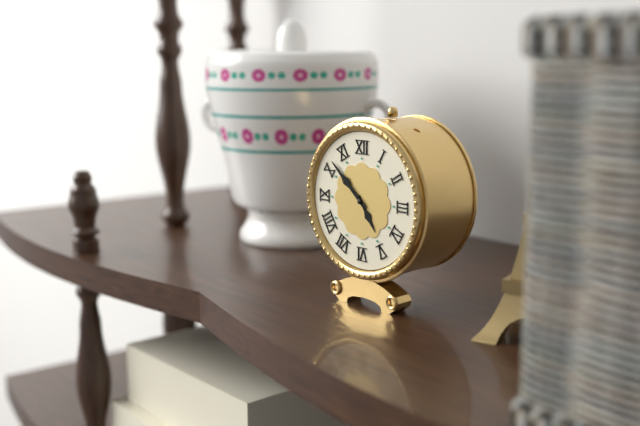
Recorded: 4 h 52 min
